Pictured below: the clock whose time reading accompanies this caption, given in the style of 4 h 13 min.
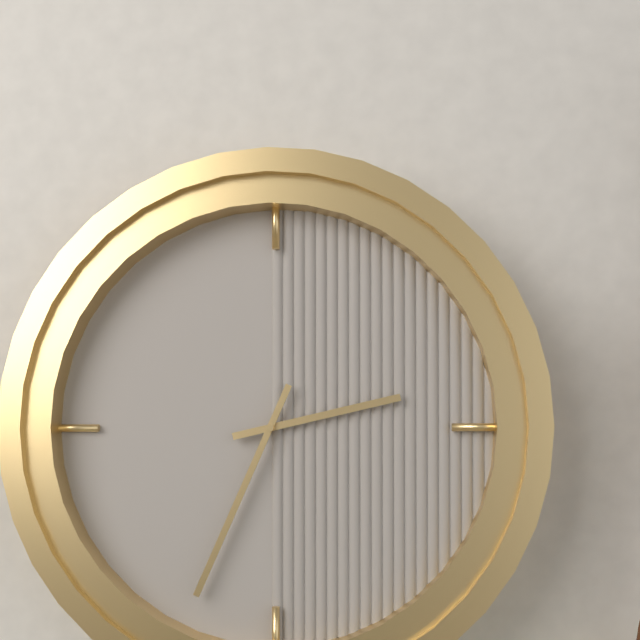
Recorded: 2 h 34 min
